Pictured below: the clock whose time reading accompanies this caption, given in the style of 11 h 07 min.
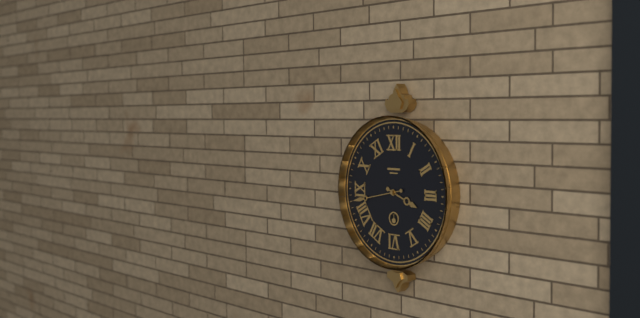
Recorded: 3 h 43 min
